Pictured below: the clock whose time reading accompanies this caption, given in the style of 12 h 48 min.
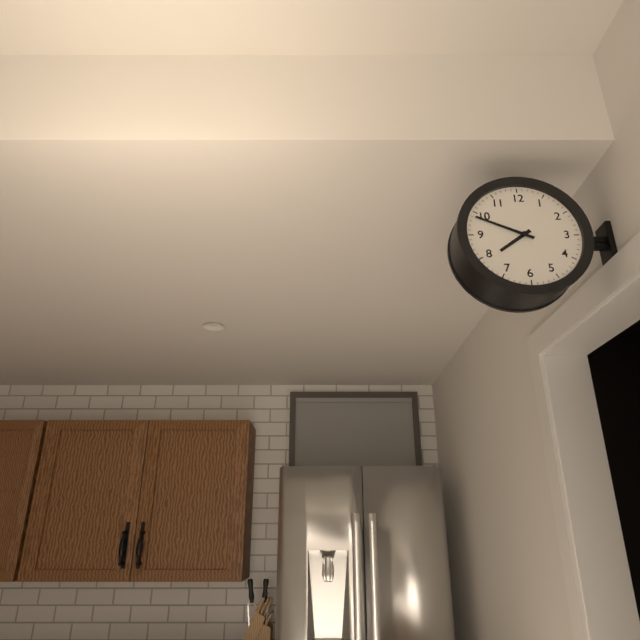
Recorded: 7 h 49 min
